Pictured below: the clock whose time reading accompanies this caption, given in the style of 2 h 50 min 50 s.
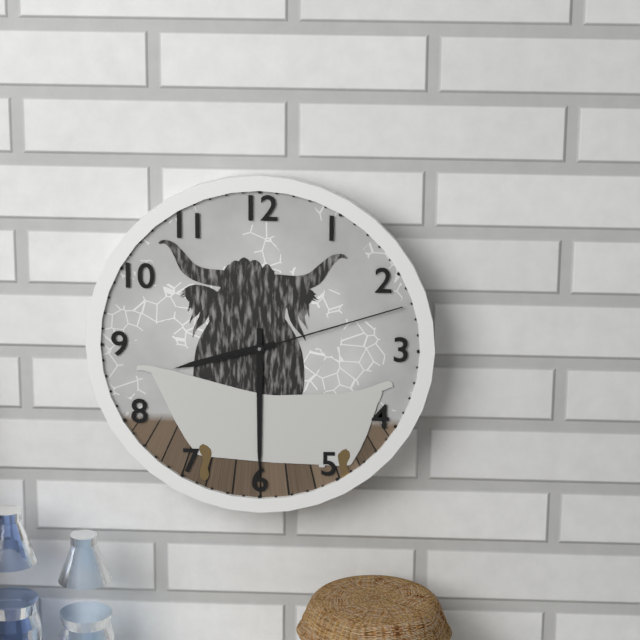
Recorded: 8 h 30 min 12 s
